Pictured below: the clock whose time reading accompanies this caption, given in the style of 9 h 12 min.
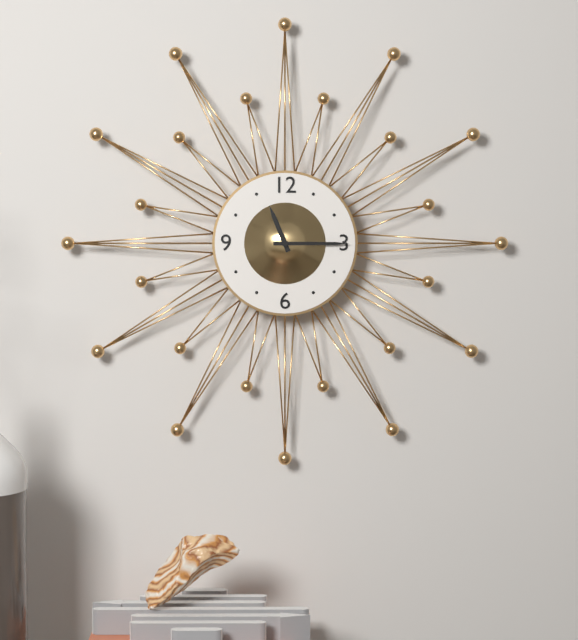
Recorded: 11 h 15 min
